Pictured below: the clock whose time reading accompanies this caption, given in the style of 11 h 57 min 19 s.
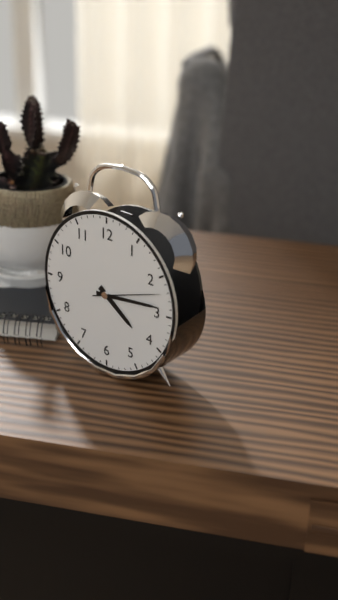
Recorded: 4 h 14 min 12 s
